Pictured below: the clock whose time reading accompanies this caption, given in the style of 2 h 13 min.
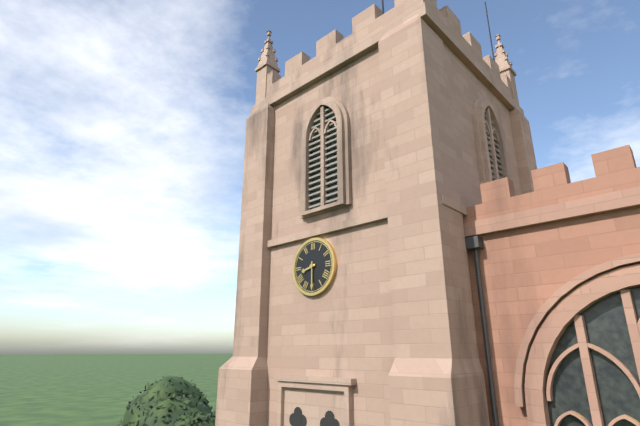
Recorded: 8 h 30 min
